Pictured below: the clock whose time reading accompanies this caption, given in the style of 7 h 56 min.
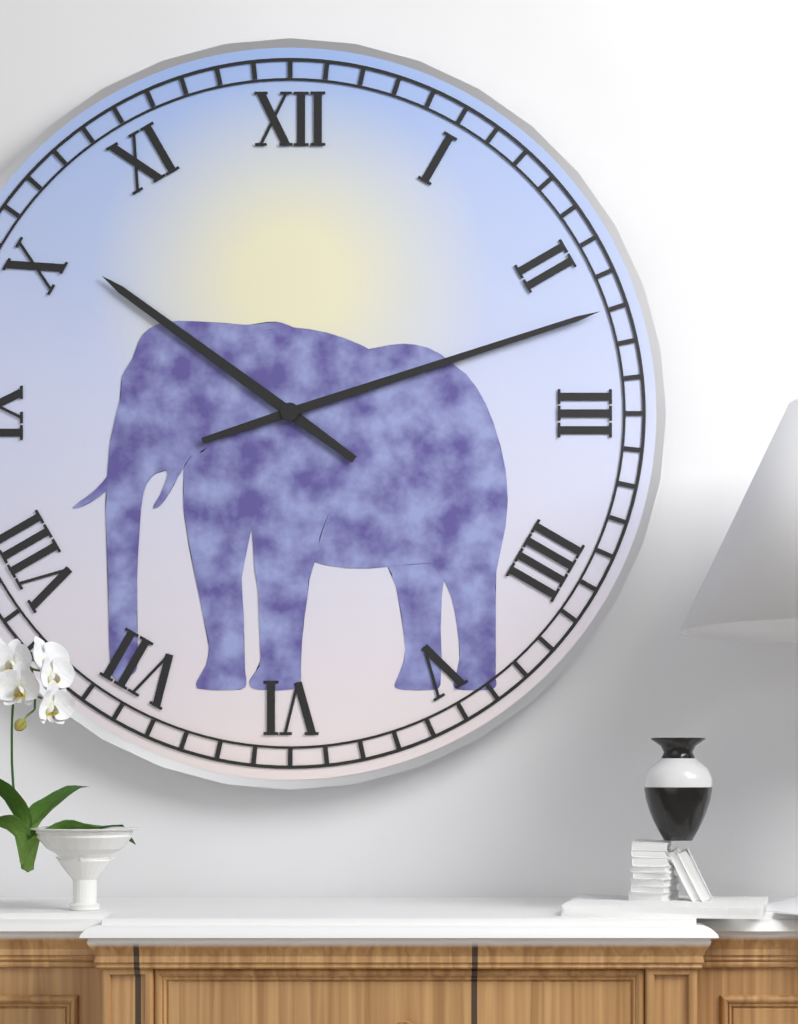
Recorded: 10 h 12 min
